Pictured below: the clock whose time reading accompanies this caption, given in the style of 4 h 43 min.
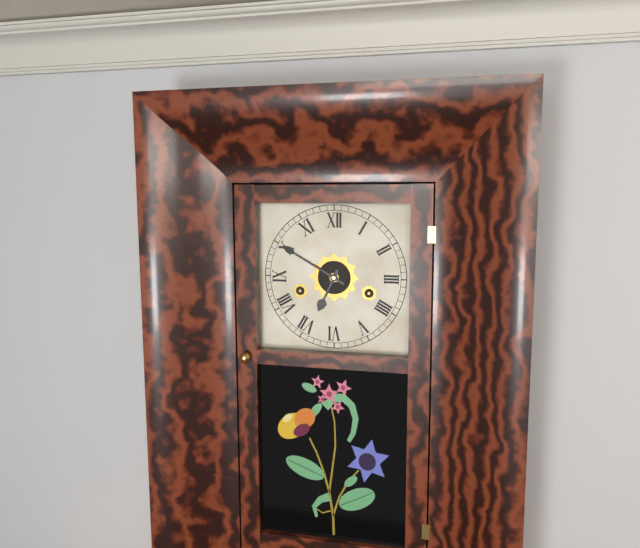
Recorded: 6 h 50 min
